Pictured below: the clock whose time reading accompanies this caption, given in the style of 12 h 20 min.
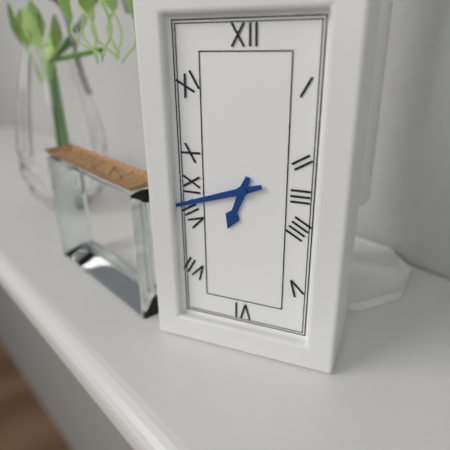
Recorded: 6 h 42 min
